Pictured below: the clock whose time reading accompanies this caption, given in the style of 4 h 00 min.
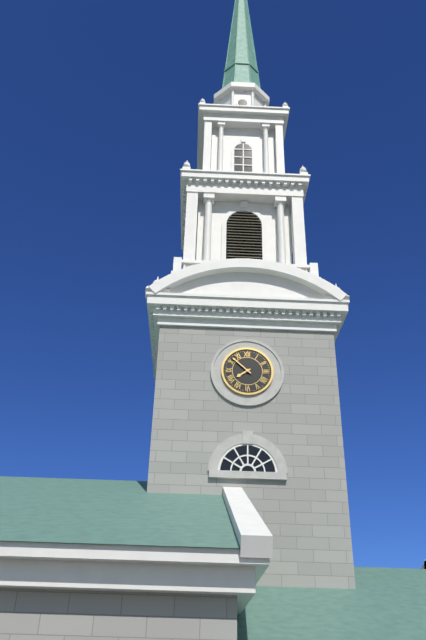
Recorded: 7 h 52 min
